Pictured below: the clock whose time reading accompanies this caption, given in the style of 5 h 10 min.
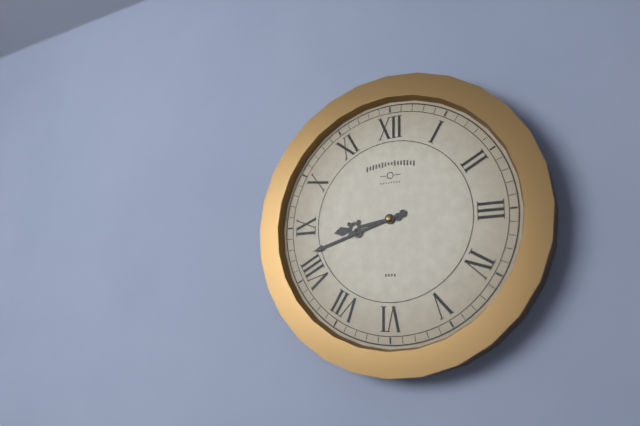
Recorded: 8 h 42 min
